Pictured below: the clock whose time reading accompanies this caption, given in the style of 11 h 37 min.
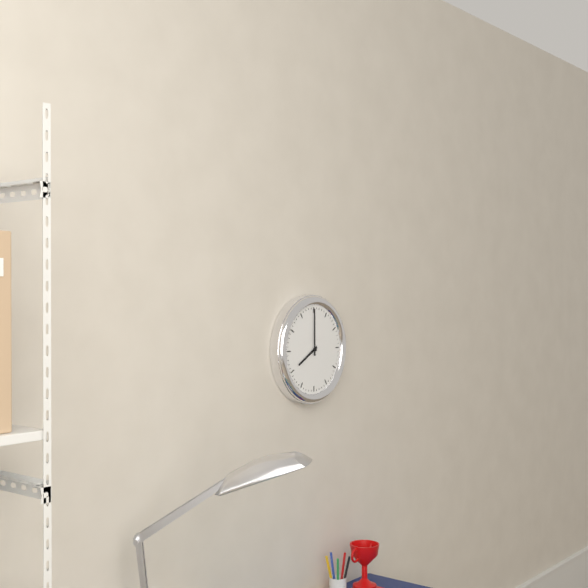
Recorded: 8 h 00 min
